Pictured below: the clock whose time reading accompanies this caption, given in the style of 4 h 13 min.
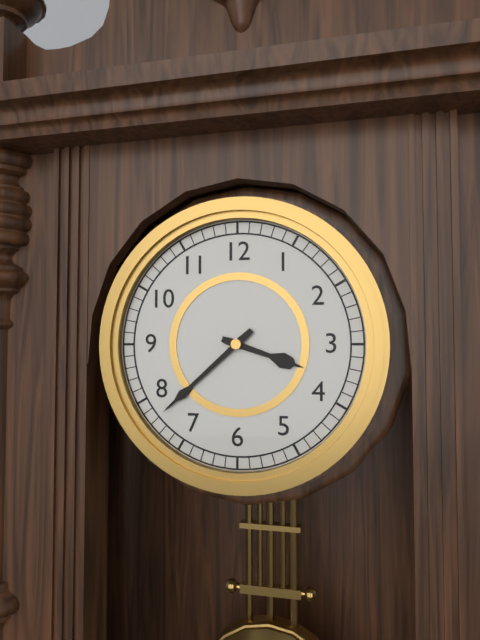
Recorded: 3 h 38 min
